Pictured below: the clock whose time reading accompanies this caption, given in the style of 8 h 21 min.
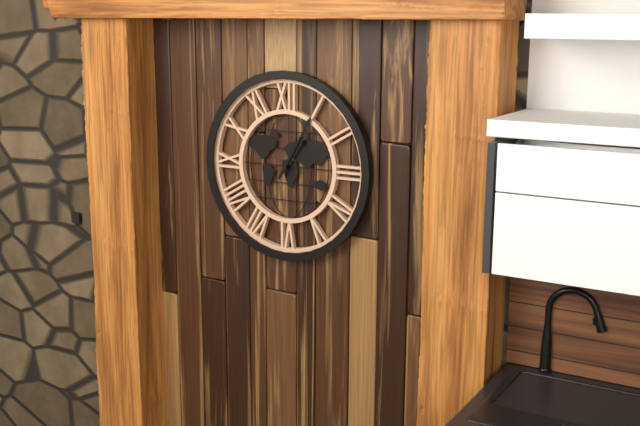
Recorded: 1 h 05 min
